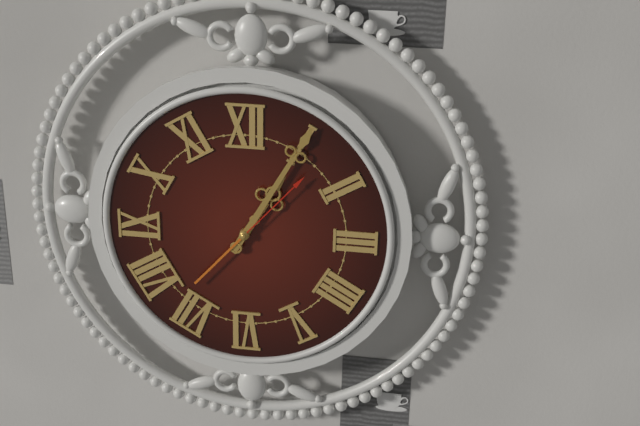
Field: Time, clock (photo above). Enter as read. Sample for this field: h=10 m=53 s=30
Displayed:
h=1 m=5 s=7
